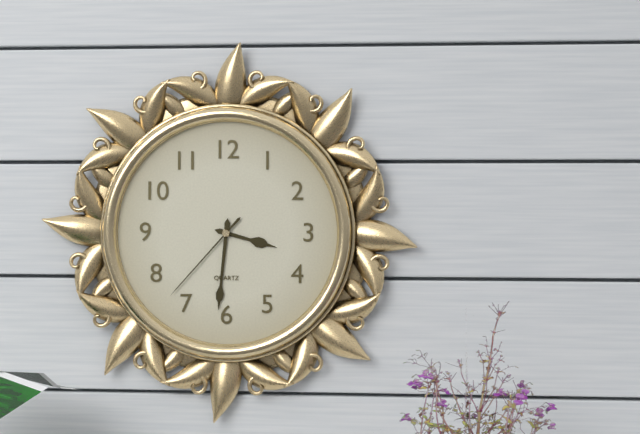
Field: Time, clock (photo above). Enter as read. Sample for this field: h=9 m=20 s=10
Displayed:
h=3 m=31 s=37
